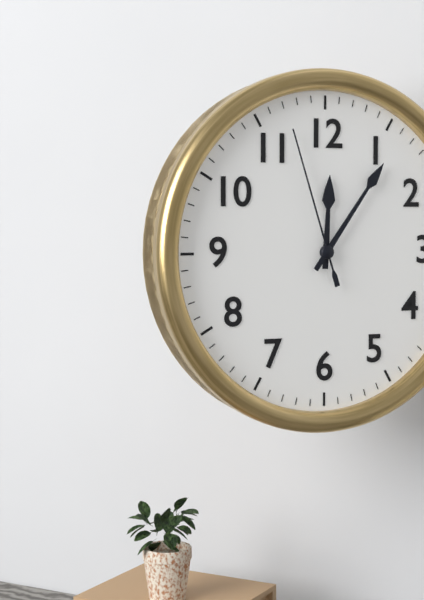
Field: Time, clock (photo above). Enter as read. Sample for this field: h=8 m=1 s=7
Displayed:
h=12 m=6 s=57
